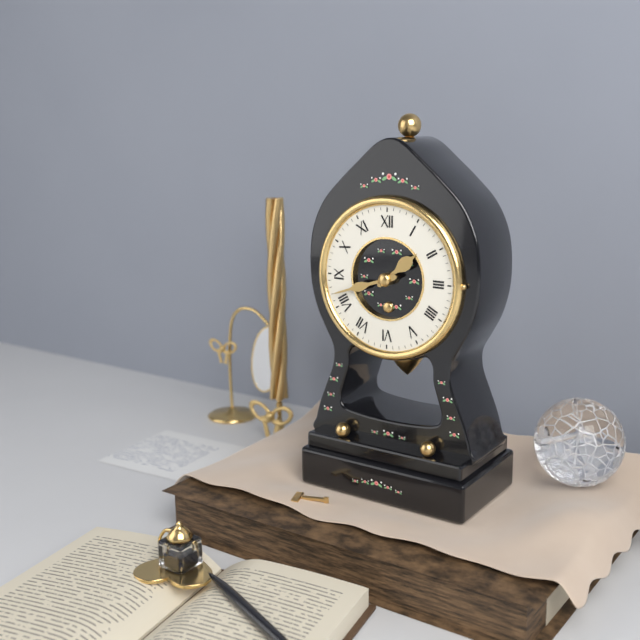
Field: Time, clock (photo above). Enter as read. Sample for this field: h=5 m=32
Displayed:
h=1 m=42
